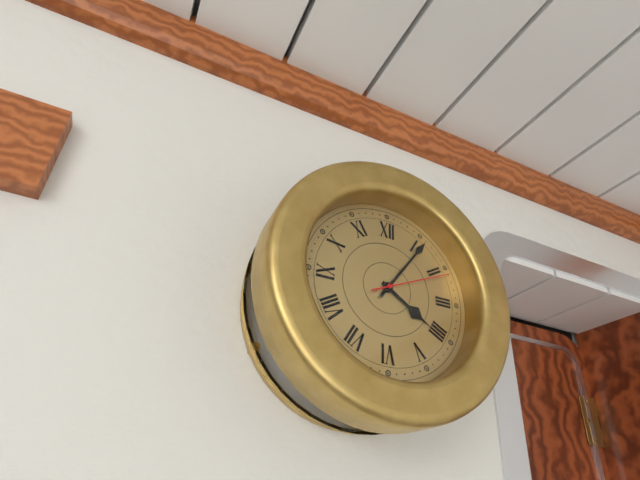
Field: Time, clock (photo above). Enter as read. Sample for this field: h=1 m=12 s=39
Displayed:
h=4 m=6 s=11
